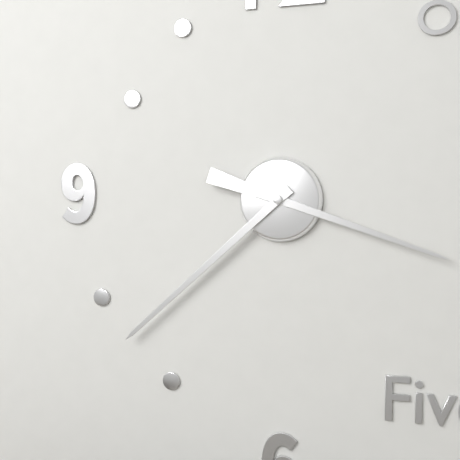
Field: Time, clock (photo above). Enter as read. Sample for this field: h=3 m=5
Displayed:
h=3 m=38
